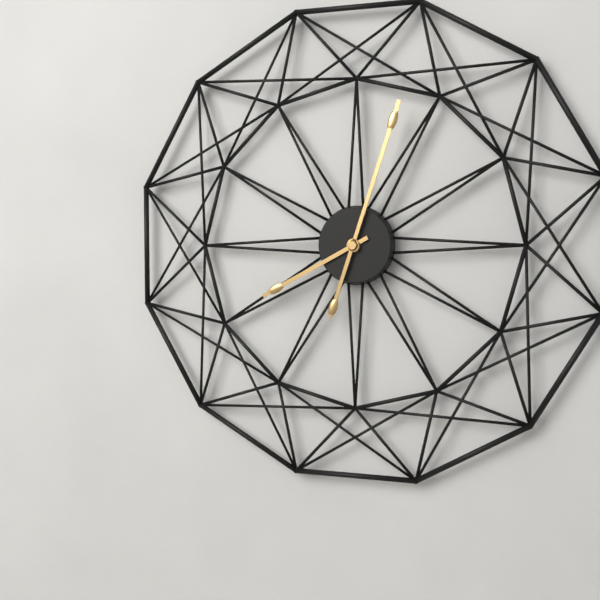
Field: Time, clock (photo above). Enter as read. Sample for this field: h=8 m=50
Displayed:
h=8 m=3
